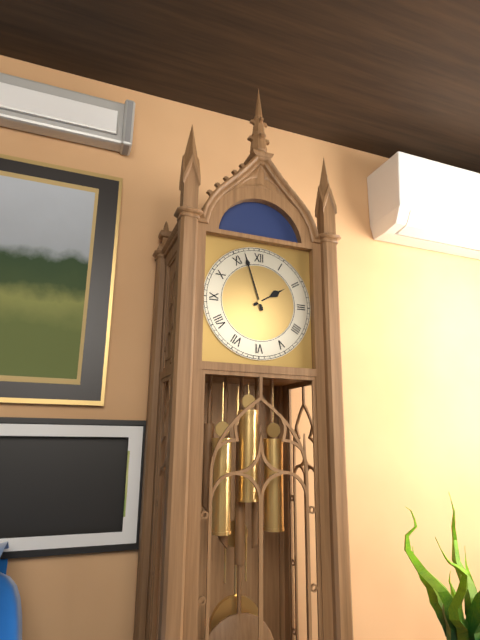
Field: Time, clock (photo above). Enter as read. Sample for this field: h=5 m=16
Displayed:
h=1 m=57
